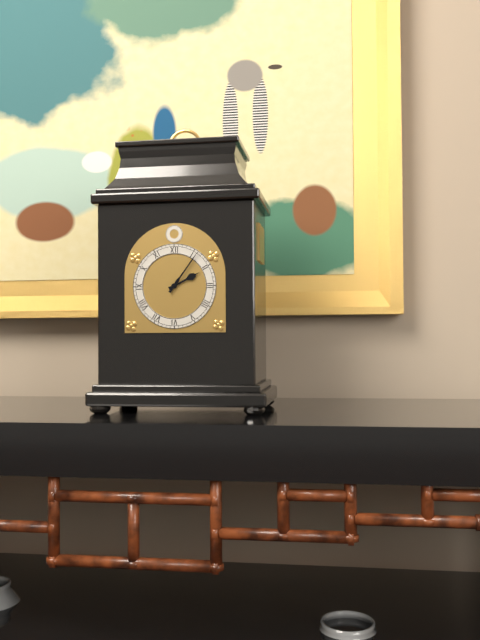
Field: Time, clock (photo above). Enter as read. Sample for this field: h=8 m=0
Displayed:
h=2 m=6
